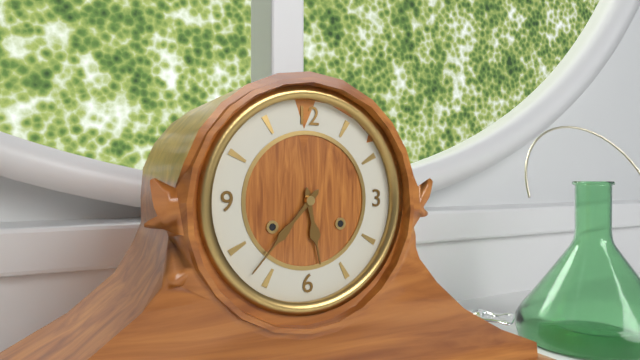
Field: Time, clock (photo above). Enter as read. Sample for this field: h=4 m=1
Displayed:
h=5 m=37
